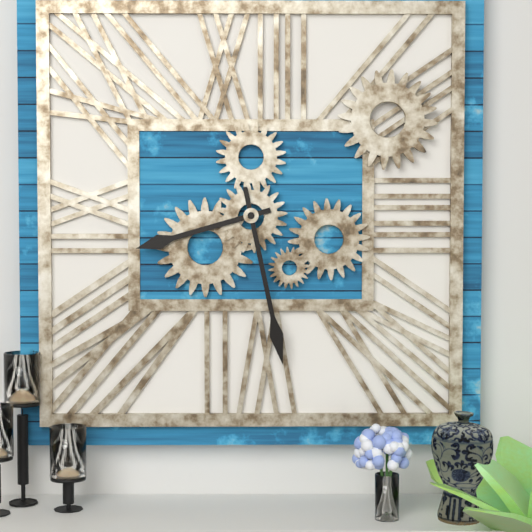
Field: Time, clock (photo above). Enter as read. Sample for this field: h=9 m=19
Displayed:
h=8 m=28
